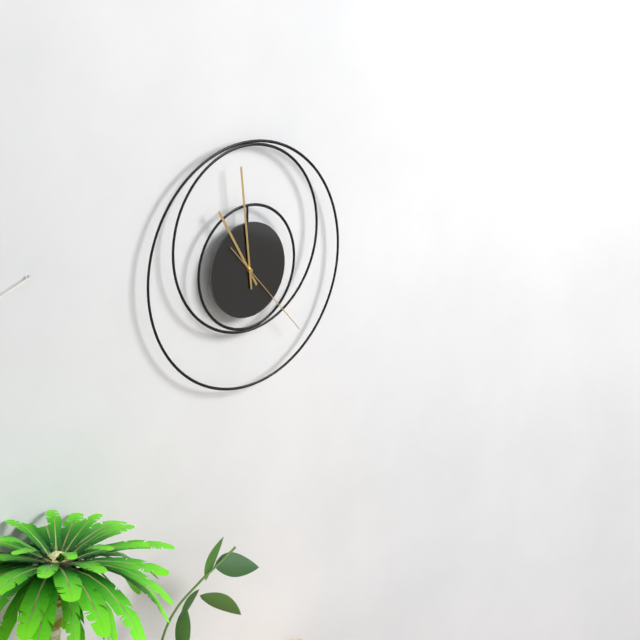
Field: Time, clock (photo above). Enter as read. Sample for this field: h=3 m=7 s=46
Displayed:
h=10 m=59 s=23
